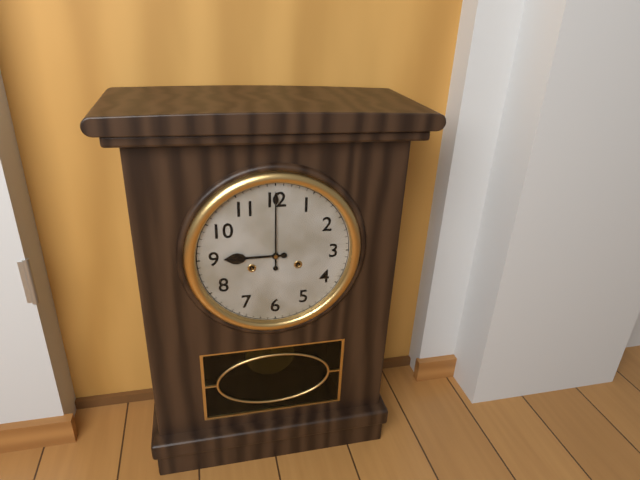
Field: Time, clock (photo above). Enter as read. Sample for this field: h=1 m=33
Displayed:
h=9 m=0
